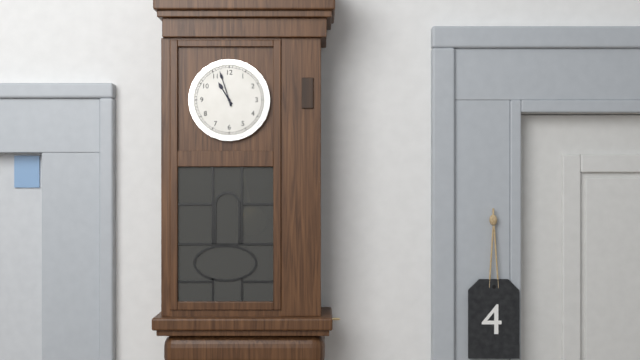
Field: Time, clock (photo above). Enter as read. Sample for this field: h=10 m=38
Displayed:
h=10 m=57
